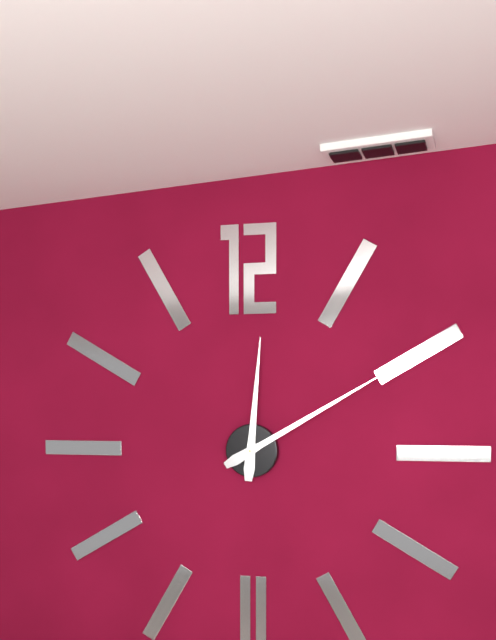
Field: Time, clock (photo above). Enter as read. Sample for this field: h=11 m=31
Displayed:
h=12 m=10
